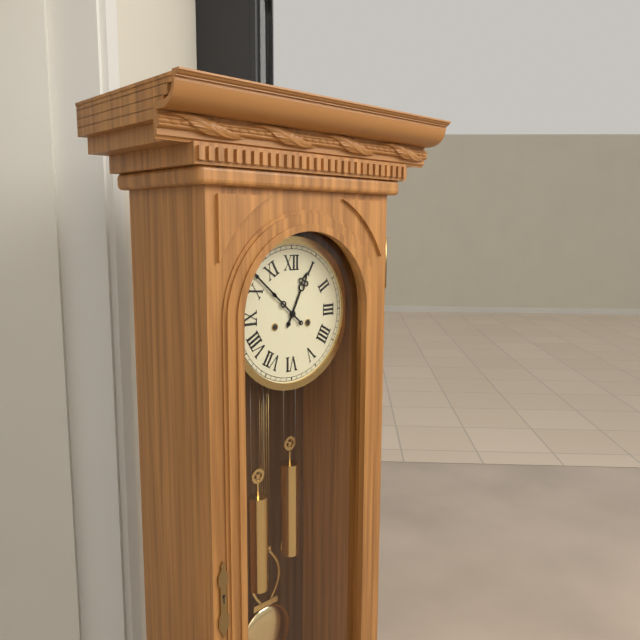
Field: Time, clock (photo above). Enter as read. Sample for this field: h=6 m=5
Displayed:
h=12 m=52
